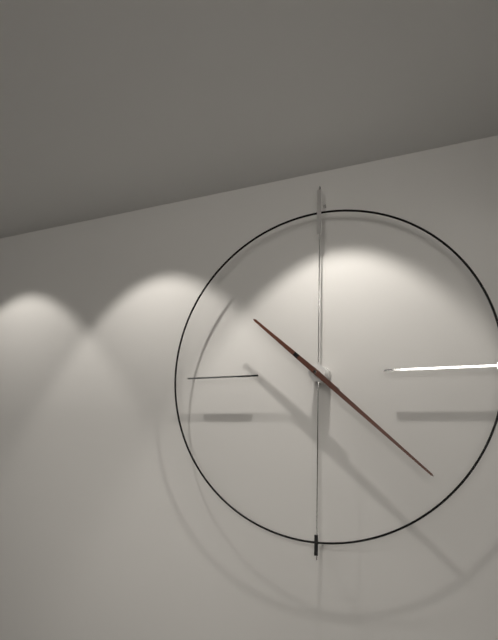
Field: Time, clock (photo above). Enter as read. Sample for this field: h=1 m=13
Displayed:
h=10 m=22
